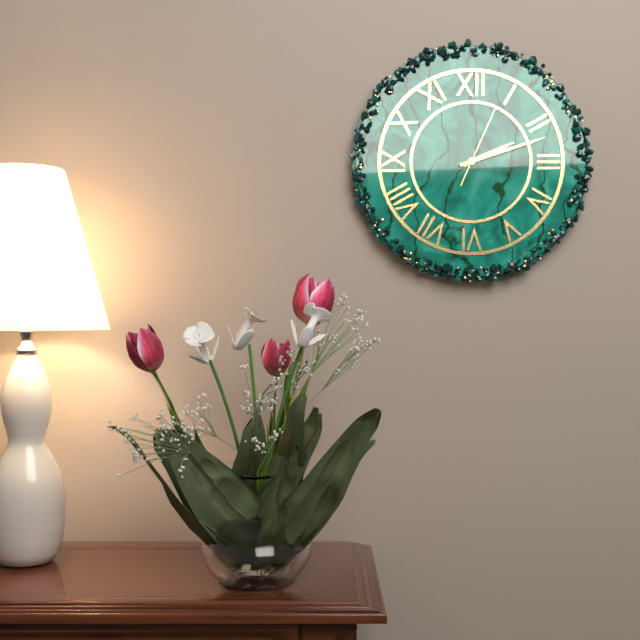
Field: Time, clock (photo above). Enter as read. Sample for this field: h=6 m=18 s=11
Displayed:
h=2 m=12 s=4
